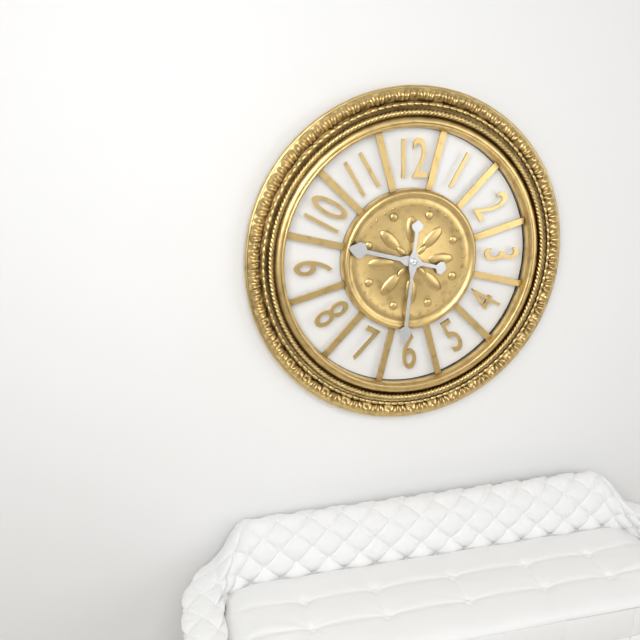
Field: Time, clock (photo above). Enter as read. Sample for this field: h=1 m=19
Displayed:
h=9 m=31
